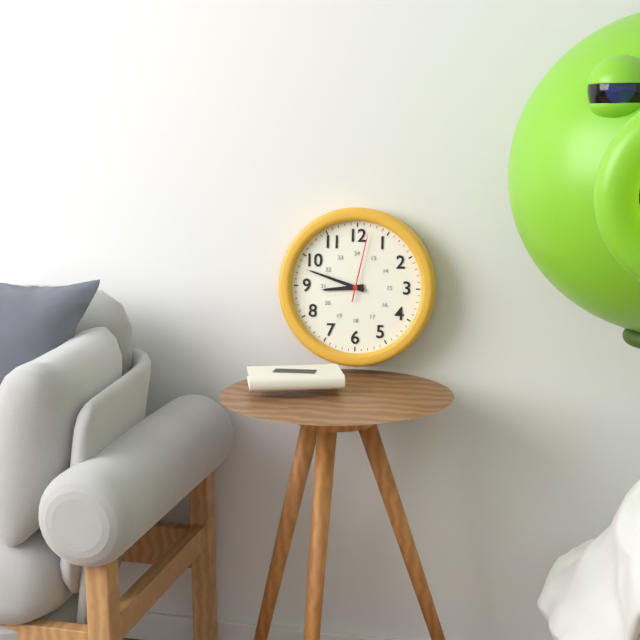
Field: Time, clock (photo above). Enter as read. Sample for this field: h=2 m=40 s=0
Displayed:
h=8 m=48 s=2
